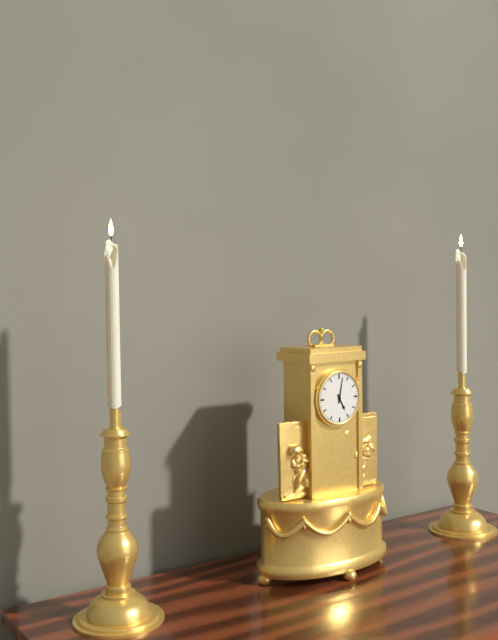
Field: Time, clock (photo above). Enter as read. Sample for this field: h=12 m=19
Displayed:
h=5 m=2
